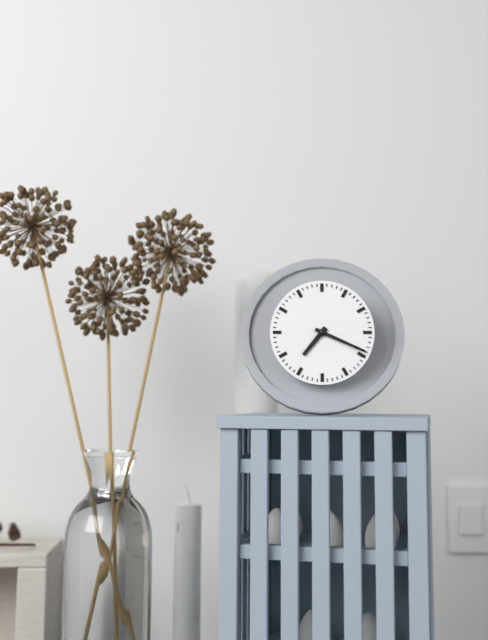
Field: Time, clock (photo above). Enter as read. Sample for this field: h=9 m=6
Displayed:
h=7 m=19
